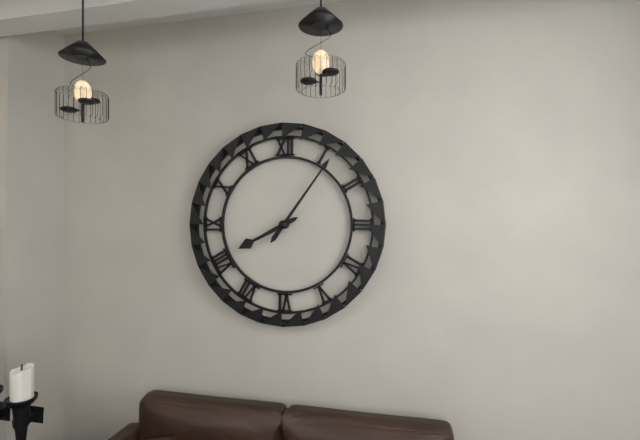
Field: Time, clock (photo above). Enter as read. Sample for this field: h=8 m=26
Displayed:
h=8 m=6
